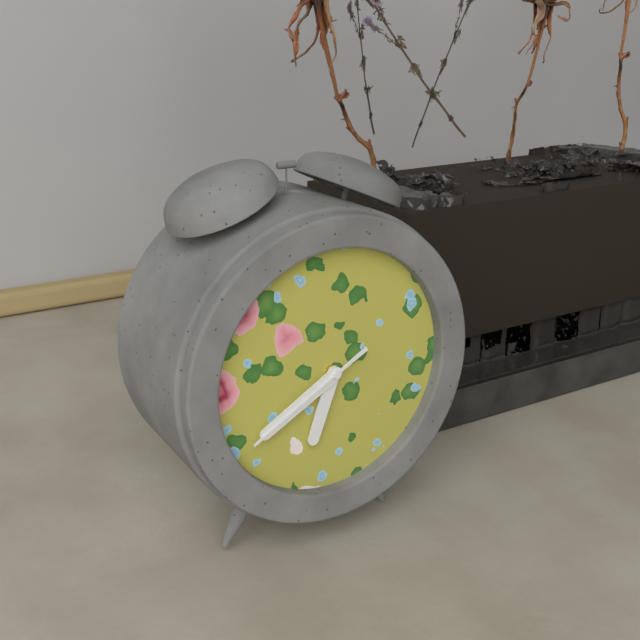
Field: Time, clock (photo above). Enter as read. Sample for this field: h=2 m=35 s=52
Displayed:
h=6 m=40 s=40
